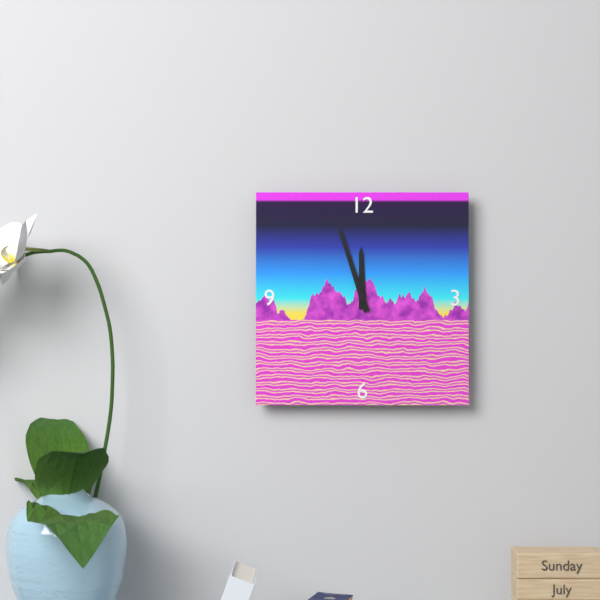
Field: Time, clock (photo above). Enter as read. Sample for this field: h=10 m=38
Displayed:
h=11 m=57
